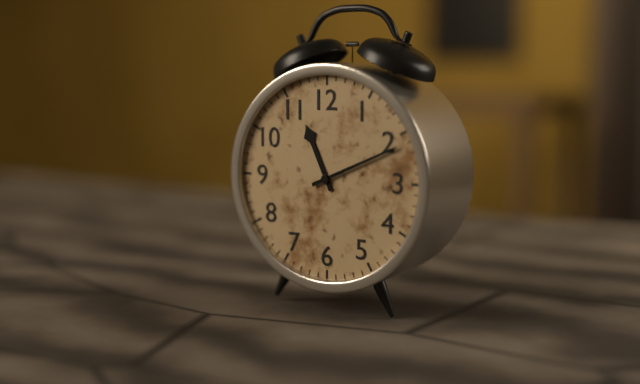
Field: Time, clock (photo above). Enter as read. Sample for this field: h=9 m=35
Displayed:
h=11 m=11
